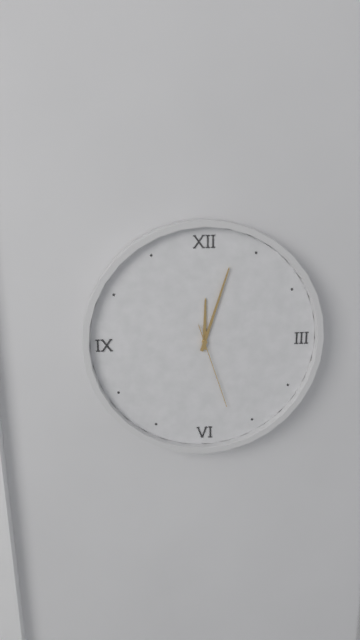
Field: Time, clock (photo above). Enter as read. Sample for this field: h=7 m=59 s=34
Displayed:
h=12 m=3 s=27
